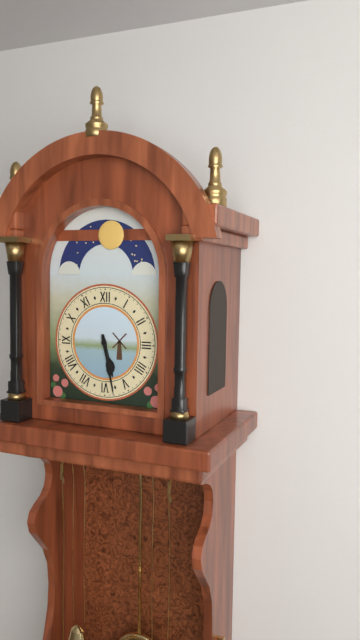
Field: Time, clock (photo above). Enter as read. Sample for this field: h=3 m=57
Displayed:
h=5 m=28
